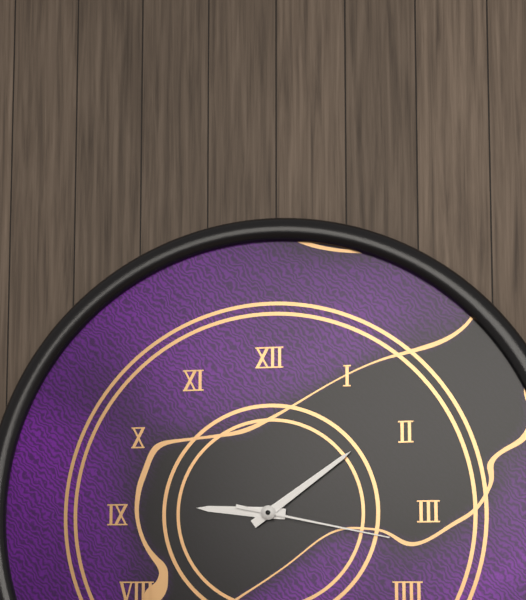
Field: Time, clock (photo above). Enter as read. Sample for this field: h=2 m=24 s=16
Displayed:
h=9 m=9 s=17
